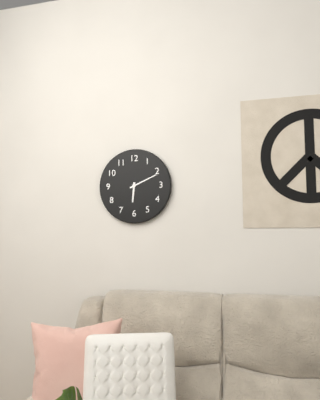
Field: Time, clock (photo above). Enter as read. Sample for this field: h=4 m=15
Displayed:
h=6 m=11
